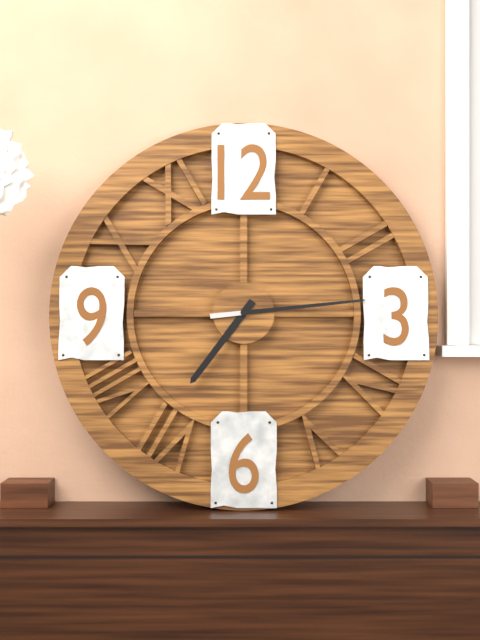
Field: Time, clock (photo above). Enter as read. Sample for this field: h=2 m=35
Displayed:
h=7 m=14
